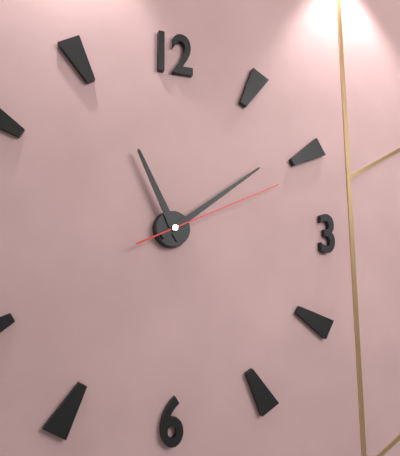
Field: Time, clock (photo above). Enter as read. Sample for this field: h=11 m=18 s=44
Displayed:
h=11 m=9 s=11
